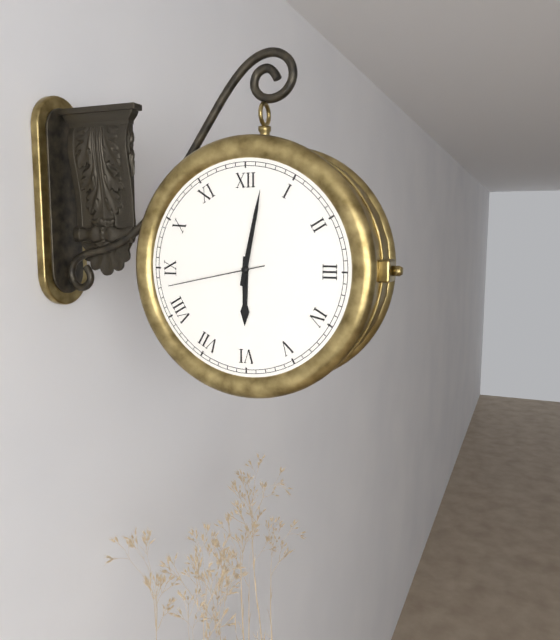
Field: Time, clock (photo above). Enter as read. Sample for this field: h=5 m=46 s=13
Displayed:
h=6 m=2 s=43
